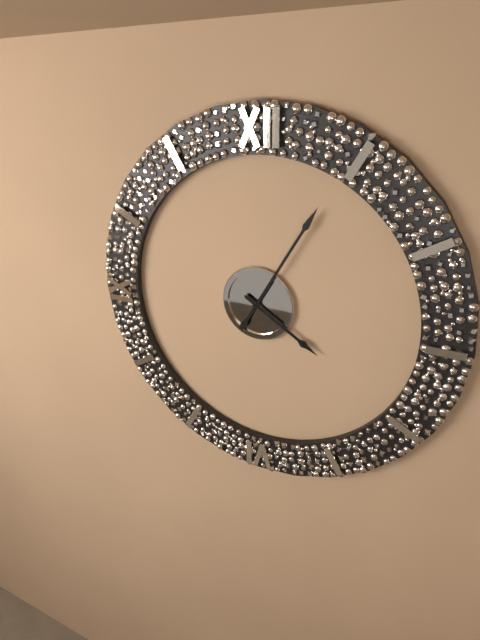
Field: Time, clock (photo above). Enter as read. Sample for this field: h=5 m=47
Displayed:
h=4 m=5
